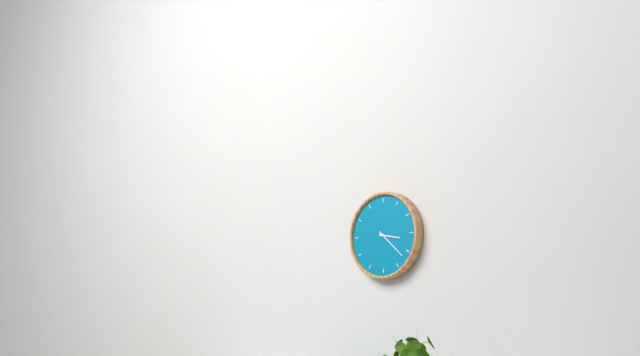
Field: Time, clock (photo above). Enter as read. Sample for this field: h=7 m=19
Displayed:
h=3 m=22
